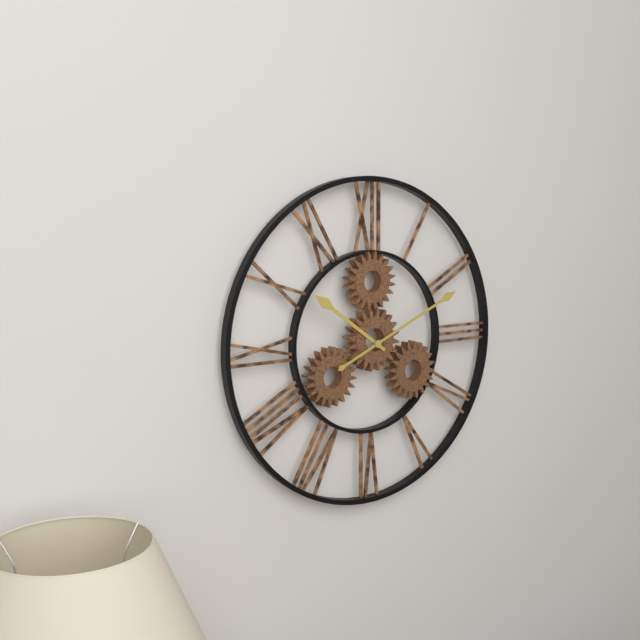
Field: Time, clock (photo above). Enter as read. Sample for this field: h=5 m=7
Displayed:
h=10 m=11
